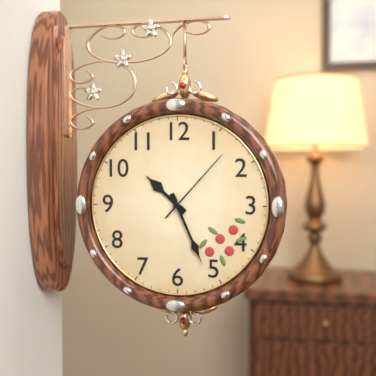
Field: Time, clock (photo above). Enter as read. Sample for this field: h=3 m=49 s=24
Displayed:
h=10 m=26 s=7
